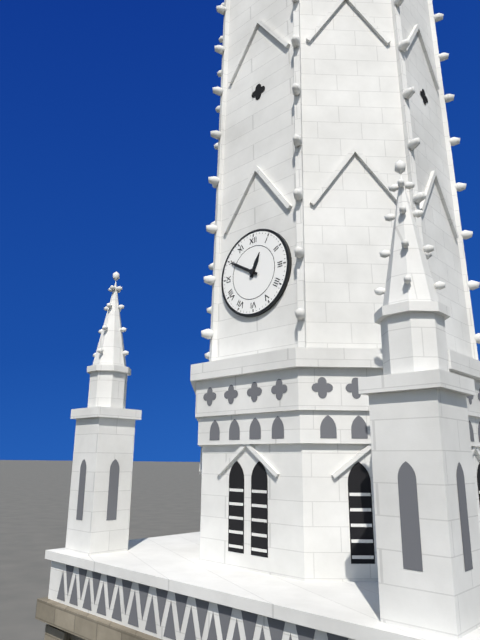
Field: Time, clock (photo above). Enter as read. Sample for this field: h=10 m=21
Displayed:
h=12 m=50
